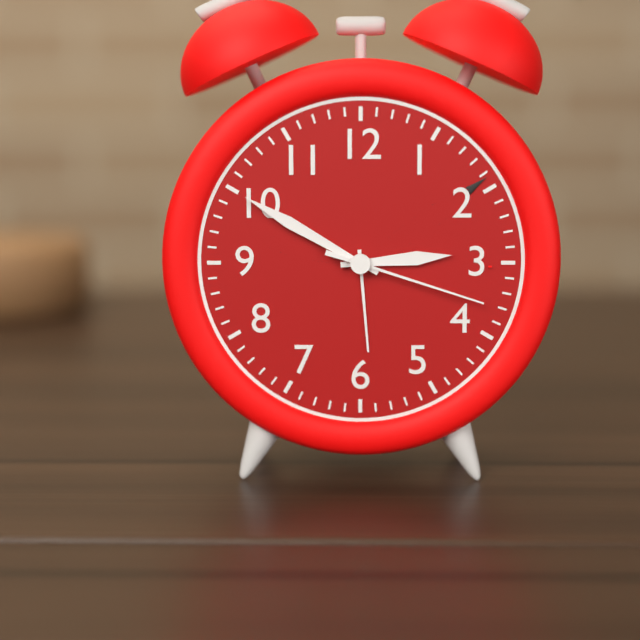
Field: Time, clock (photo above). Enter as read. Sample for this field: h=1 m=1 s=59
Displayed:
h=2 m=50 s=18
